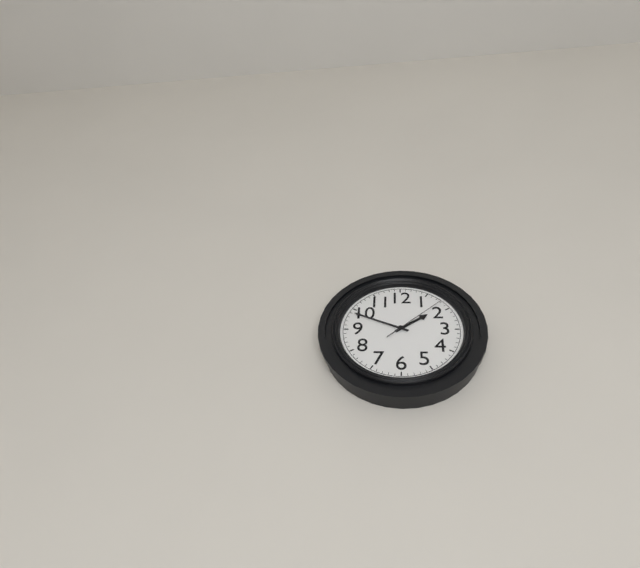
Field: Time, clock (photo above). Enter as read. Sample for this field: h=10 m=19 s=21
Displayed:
h=1 m=49 s=8
